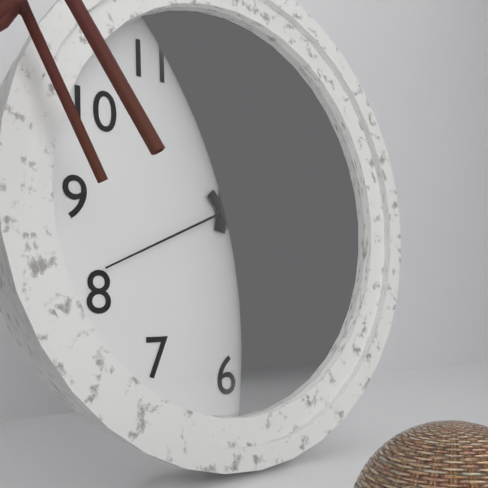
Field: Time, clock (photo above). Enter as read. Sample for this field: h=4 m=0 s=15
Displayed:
h=12 m=23 s=41
